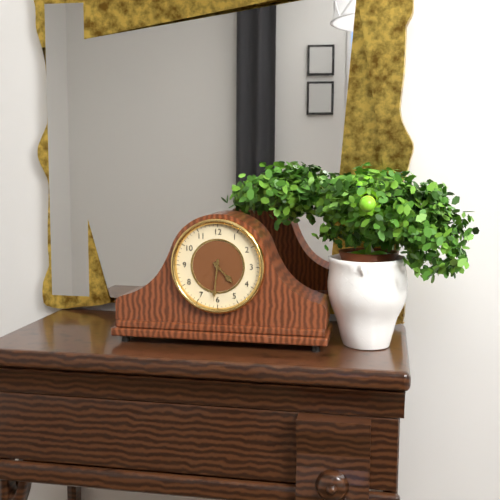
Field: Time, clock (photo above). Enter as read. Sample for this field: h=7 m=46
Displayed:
h=4 m=31
